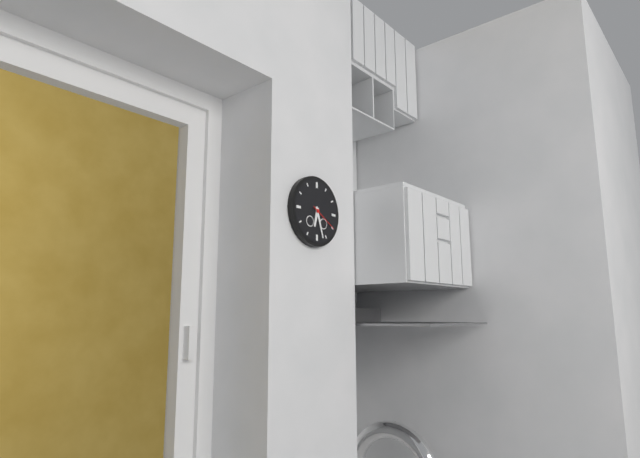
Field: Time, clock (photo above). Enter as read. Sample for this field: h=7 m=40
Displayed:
h=6 m=27
